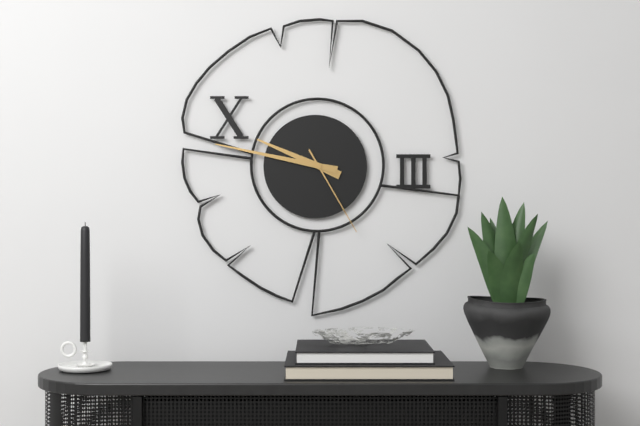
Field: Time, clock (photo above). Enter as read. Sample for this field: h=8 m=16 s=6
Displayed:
h=9 m=47 s=25
